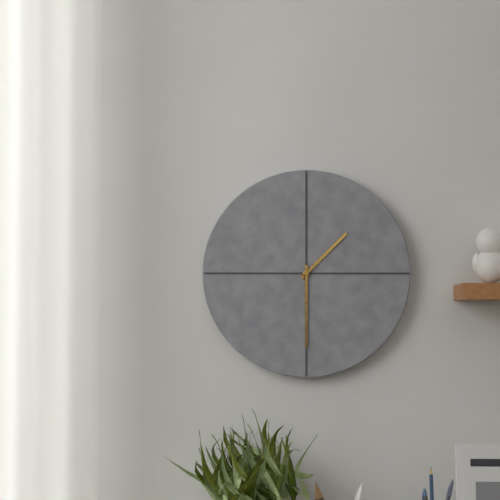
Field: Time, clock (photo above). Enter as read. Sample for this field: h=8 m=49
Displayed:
h=1 m=30
